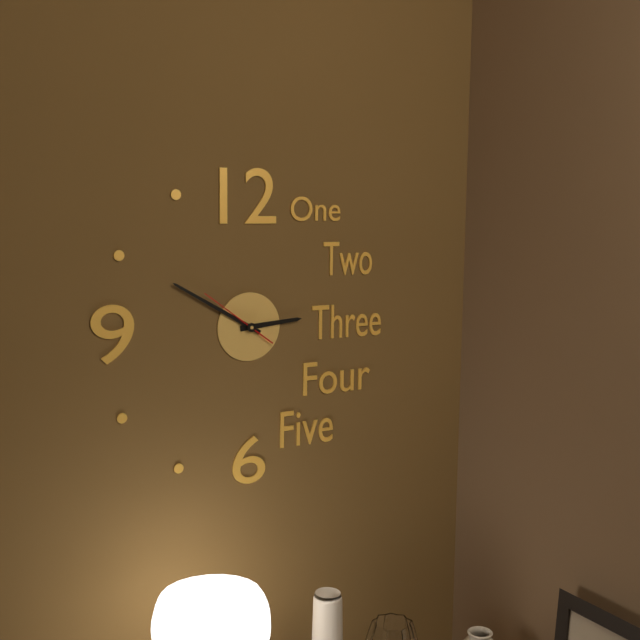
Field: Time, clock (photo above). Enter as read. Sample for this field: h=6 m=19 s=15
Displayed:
h=2 m=50 s=51
